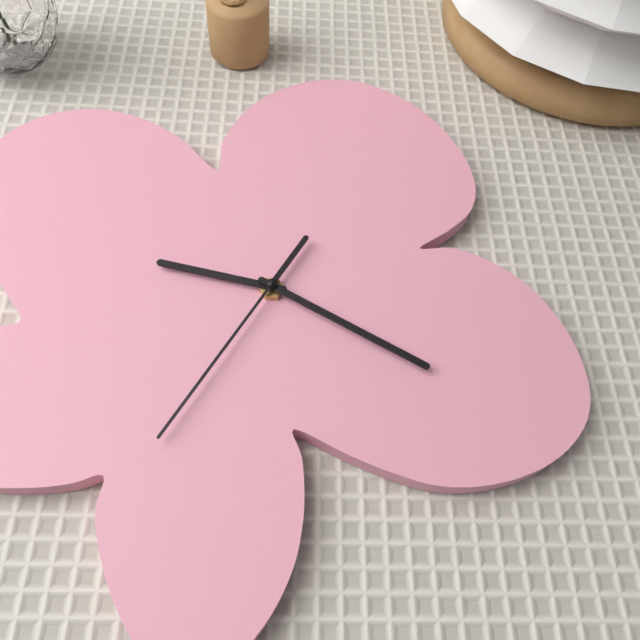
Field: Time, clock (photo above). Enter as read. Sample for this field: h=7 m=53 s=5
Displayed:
h=10 m=25 s=40
